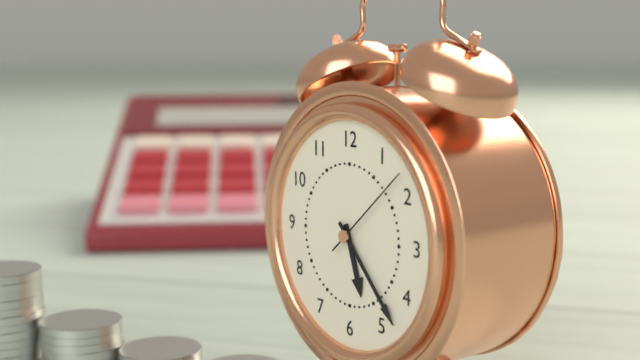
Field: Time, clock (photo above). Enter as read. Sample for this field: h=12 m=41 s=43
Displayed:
h=5 m=23 s=8
